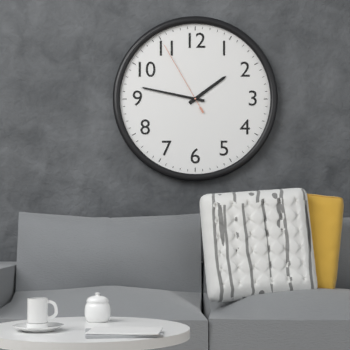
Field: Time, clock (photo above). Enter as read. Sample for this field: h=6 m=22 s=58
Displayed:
h=1 m=47 s=55
